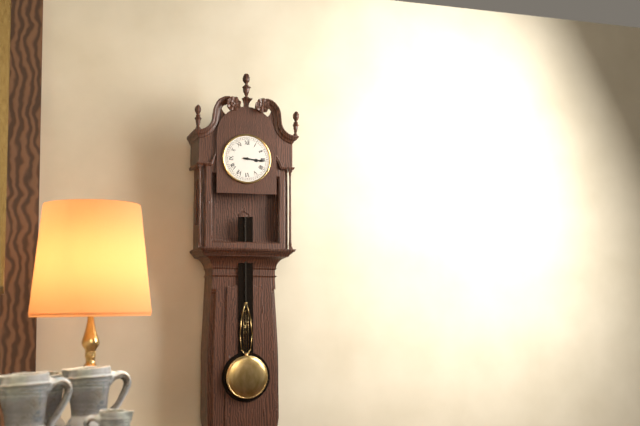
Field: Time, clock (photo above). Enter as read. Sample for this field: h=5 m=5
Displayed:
h=3 m=16
